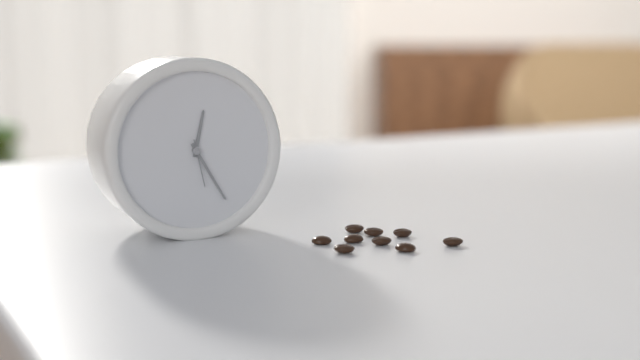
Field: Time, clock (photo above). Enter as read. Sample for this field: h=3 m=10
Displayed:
h=12 m=25
